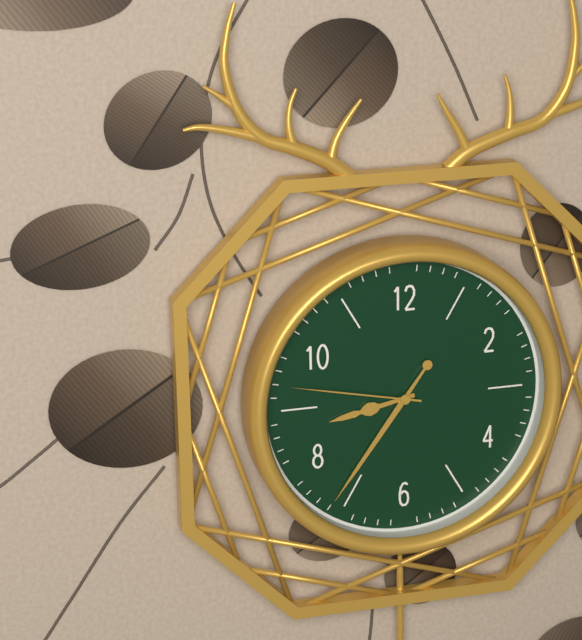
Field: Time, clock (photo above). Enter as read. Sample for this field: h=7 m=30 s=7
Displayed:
h=8 m=36 s=47
